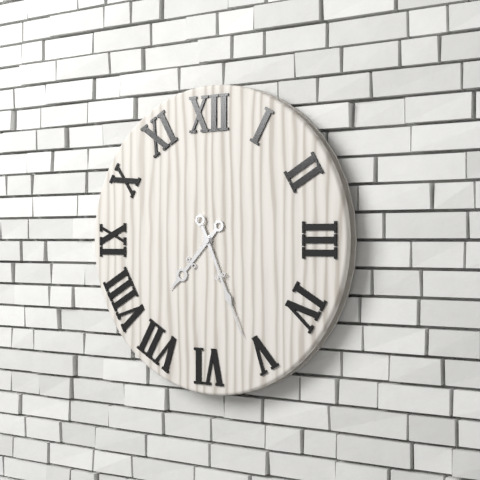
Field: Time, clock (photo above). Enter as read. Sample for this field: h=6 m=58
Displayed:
h=7 m=26
